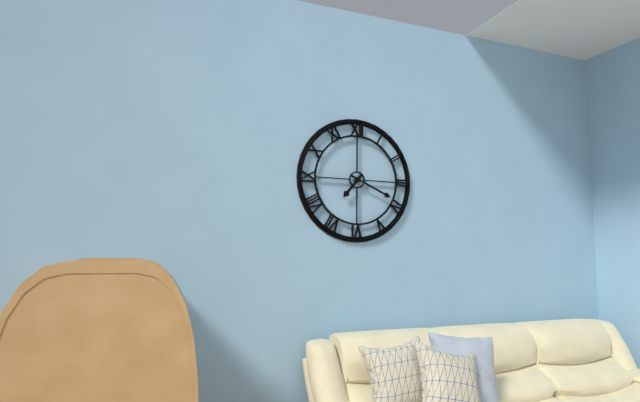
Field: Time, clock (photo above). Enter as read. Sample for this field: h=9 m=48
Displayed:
h=7 m=19
